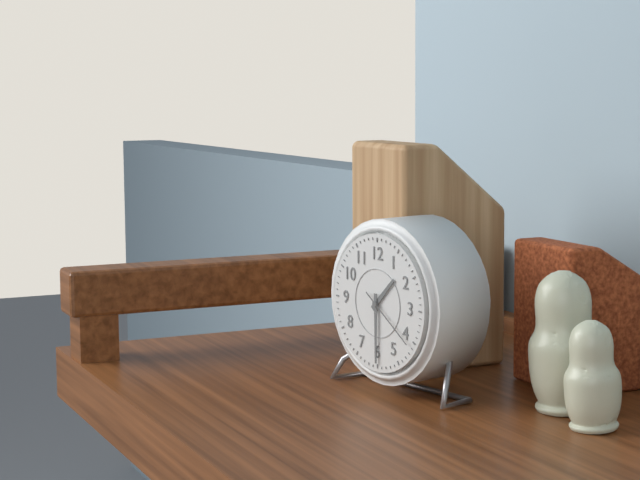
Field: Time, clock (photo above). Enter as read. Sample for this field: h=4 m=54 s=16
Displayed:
h=1 m=30 s=21
